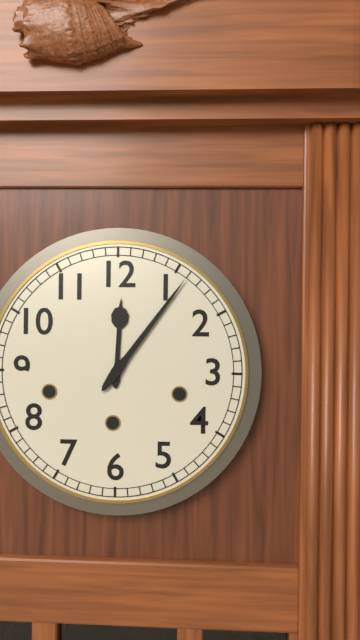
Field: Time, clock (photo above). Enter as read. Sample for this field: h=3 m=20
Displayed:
h=12 m=6
